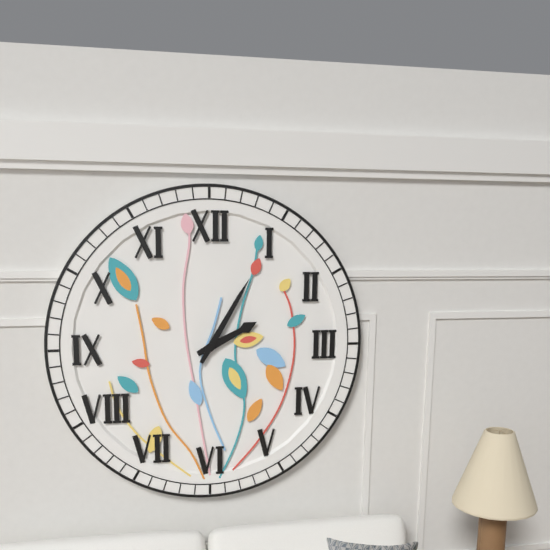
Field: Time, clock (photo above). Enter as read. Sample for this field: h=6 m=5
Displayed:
h=2 m=5
